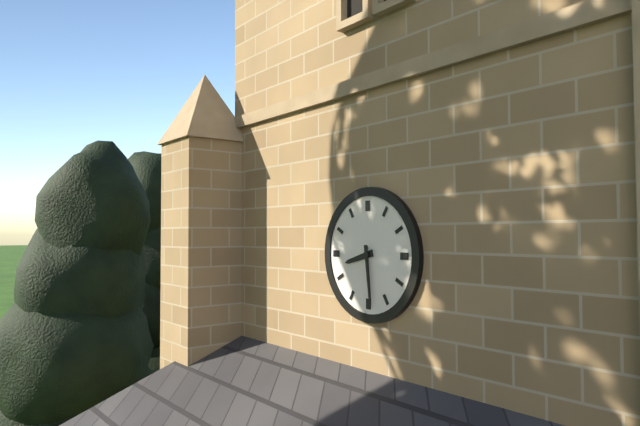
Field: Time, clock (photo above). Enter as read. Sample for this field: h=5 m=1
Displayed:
h=8 m=29
